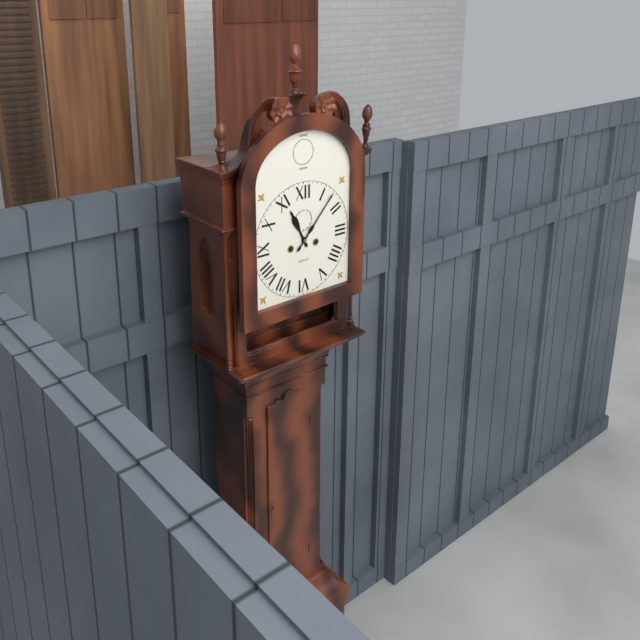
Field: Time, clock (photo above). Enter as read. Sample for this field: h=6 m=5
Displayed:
h=11 m=7
